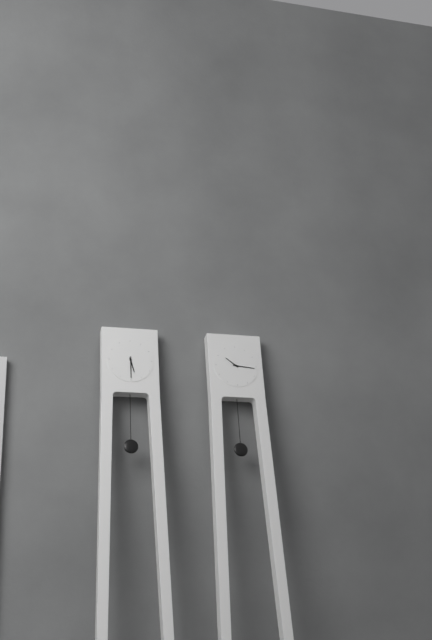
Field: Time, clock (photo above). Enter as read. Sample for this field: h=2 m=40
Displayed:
h=5 m=30
